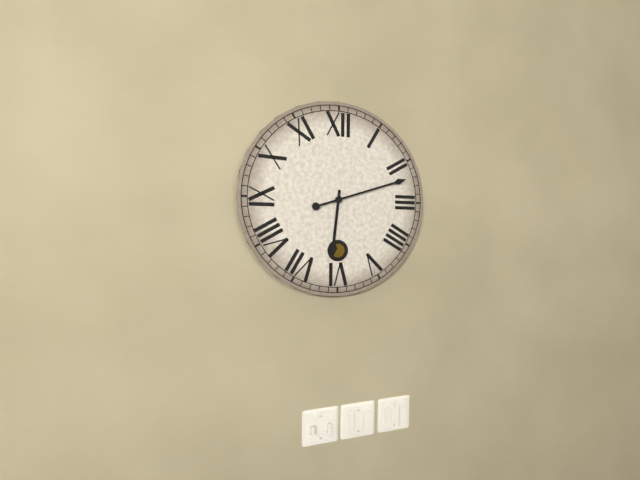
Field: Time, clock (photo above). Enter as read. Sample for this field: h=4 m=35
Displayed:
h=6 m=12
